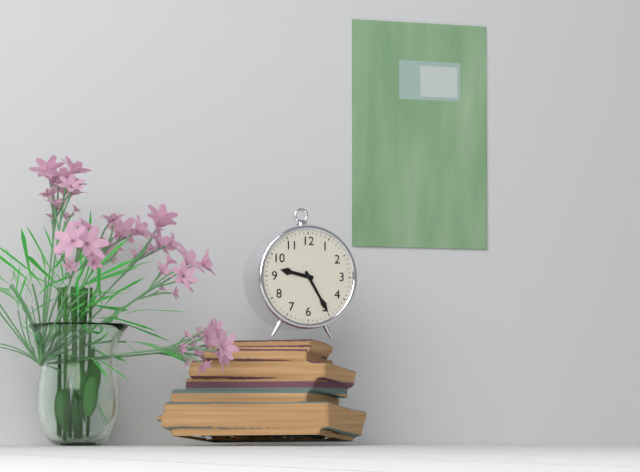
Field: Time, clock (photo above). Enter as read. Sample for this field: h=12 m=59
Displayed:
h=9 m=25
